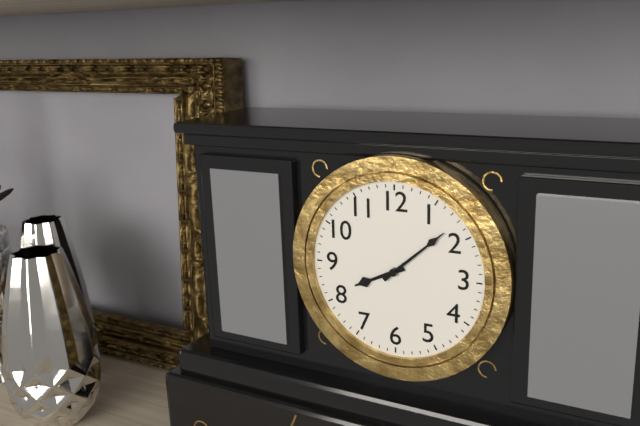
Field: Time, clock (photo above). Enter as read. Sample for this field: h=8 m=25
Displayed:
h=8 m=8
